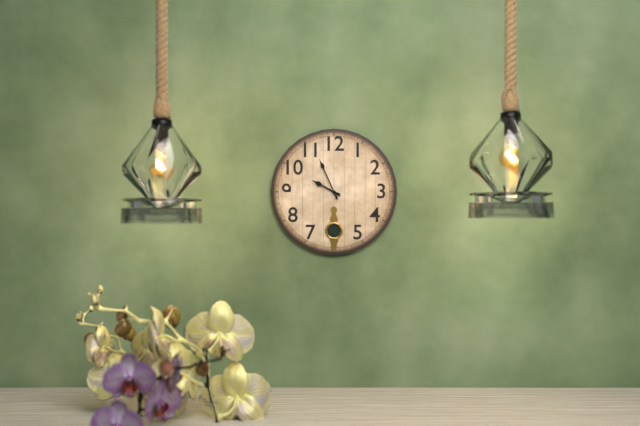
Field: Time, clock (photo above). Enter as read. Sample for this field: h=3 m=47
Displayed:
h=9 m=56
